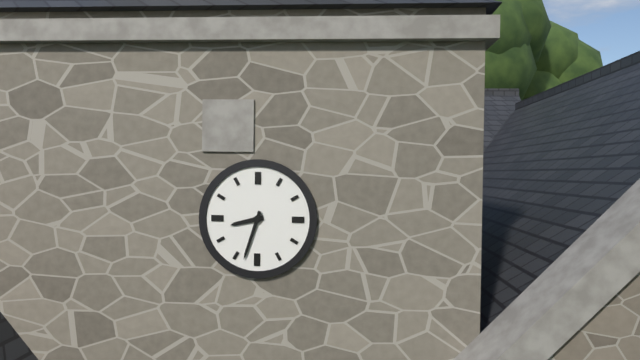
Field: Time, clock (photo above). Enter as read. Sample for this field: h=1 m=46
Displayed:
h=8 m=33
